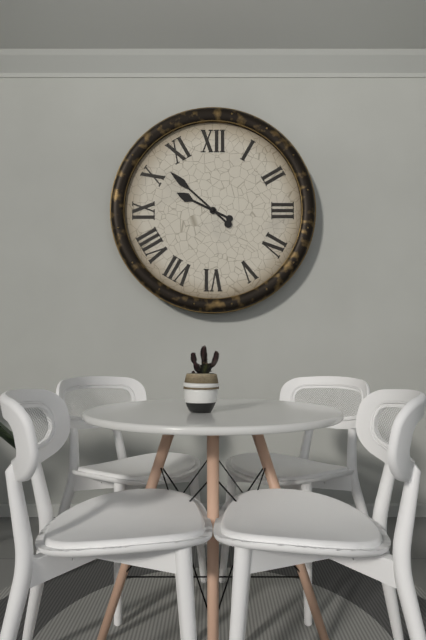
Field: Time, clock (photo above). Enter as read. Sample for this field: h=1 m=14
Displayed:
h=9 m=52
